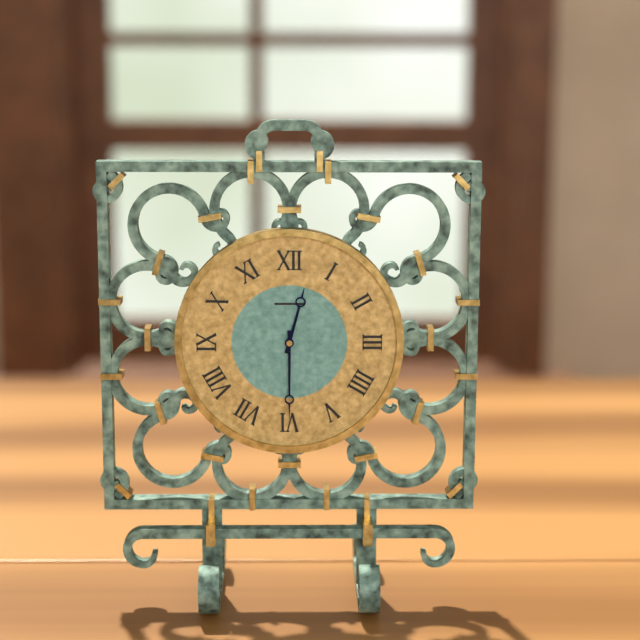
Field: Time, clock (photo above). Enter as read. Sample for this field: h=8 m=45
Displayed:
h=12 m=30
